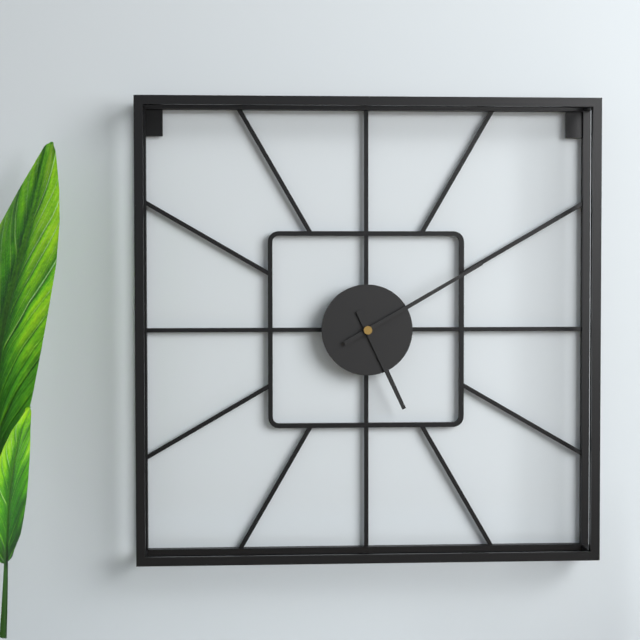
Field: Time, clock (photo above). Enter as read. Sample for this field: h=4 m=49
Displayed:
h=5 m=10
